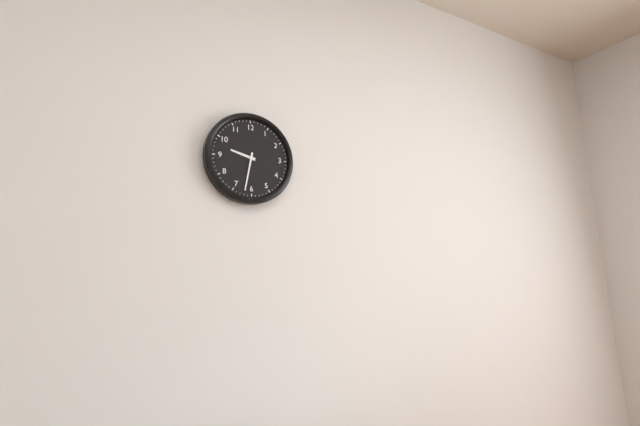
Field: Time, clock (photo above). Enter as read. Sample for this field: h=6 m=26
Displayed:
h=9 m=32
